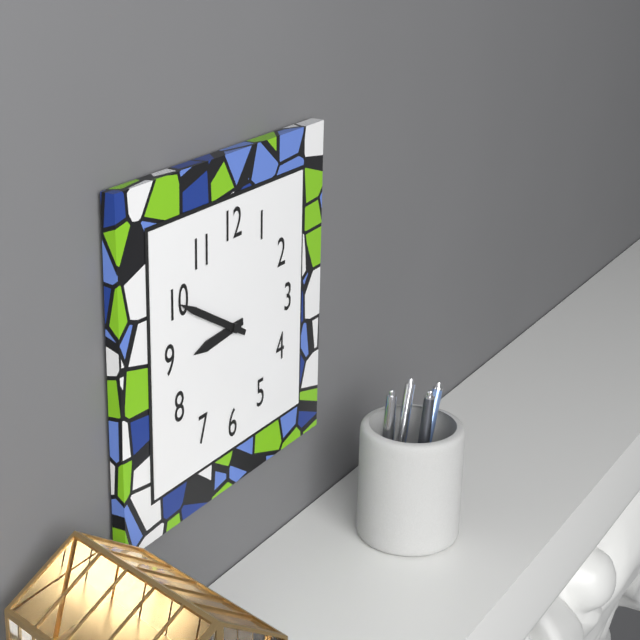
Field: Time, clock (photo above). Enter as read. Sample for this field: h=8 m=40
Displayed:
h=8 m=50
